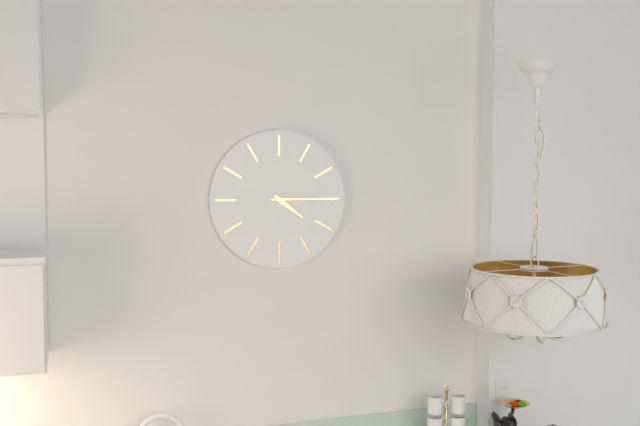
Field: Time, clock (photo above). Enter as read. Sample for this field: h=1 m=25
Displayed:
h=4 m=15
